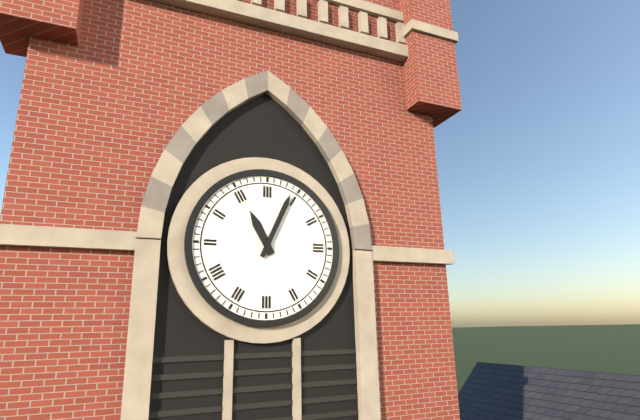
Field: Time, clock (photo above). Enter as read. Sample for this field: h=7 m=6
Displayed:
h=11 m=4
